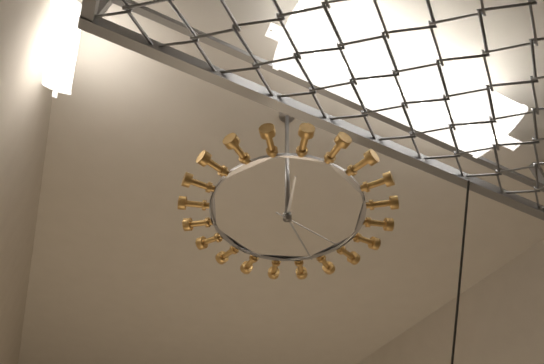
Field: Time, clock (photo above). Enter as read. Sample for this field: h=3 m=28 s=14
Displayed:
h=11 m=22 s=17
